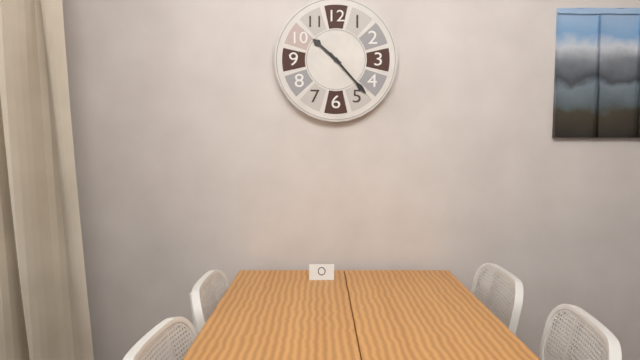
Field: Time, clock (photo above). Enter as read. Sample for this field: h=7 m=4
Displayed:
h=10 m=23
